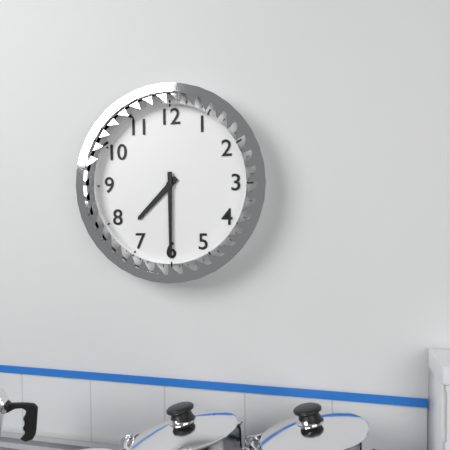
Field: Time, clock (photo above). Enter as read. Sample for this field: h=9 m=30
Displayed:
h=7 m=30
